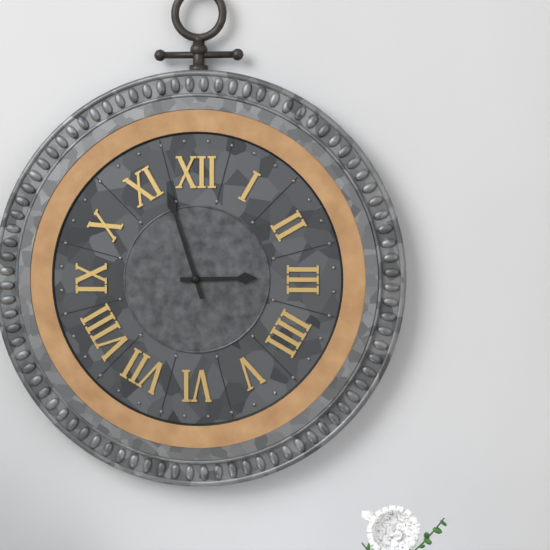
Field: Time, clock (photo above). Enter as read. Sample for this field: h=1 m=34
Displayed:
h=2 m=57
